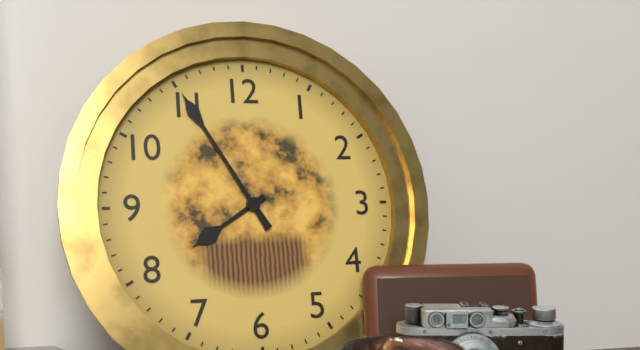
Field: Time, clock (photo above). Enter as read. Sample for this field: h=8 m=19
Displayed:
h=7 m=55
